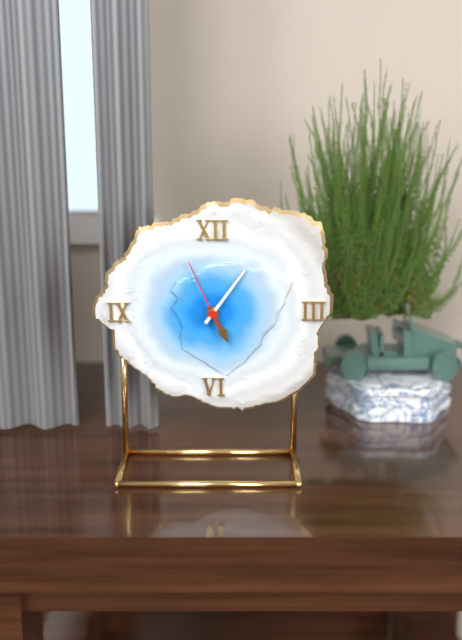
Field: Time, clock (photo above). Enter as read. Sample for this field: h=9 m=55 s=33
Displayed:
h=5 m=6 s=56
